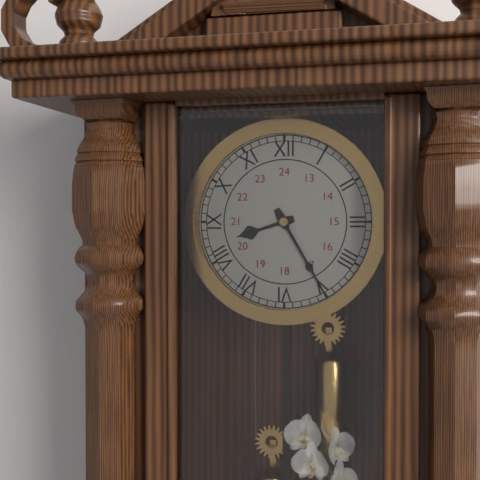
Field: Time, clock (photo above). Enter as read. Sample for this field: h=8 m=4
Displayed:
h=8 m=25
